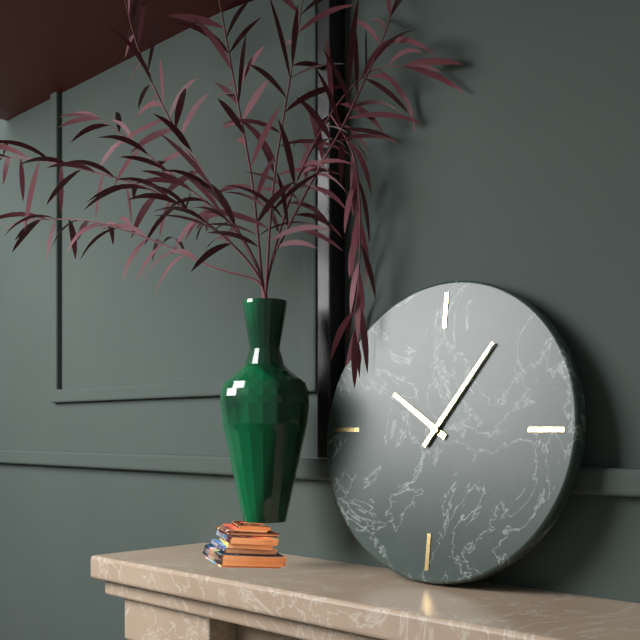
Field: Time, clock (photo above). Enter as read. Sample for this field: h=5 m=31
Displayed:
h=10 m=6
